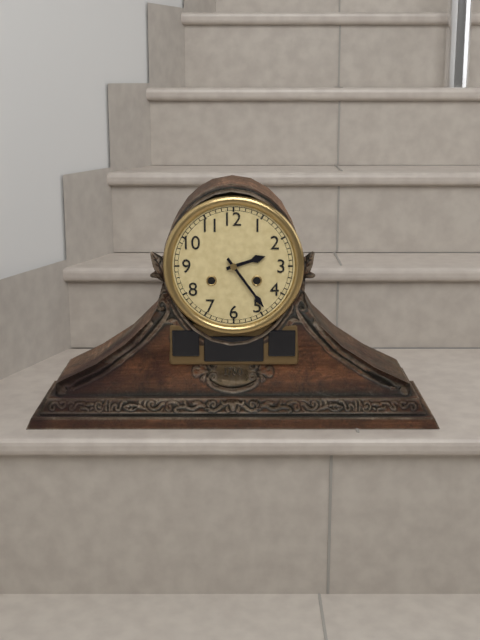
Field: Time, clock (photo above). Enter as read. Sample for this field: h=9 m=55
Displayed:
h=2 m=24
